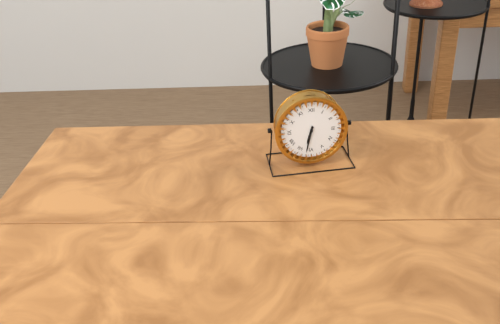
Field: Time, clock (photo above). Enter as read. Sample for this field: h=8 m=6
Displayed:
h=6 m=32
